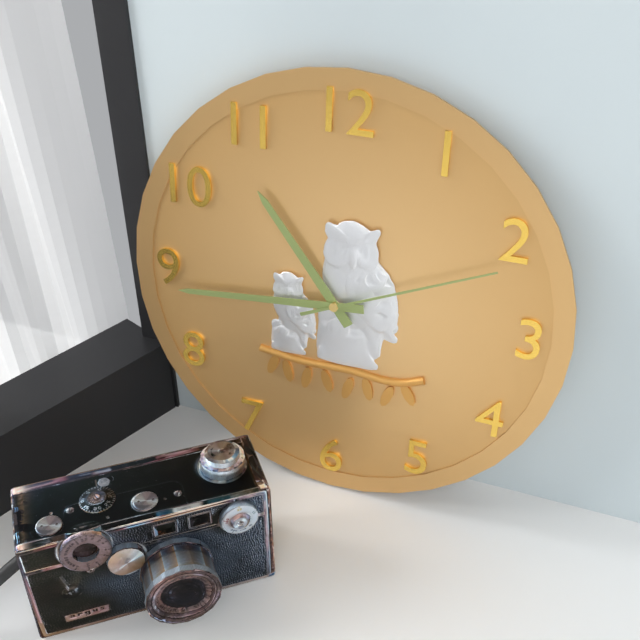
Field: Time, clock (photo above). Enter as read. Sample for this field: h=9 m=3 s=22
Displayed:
h=10 m=44 s=11
